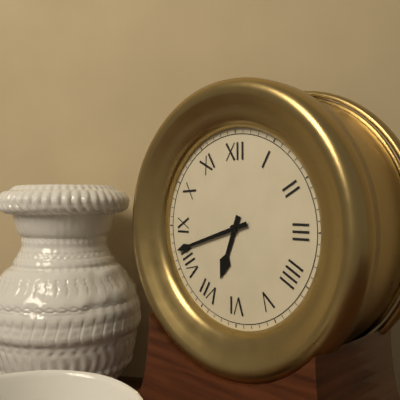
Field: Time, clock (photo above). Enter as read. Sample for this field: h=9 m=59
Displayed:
h=6 m=42
